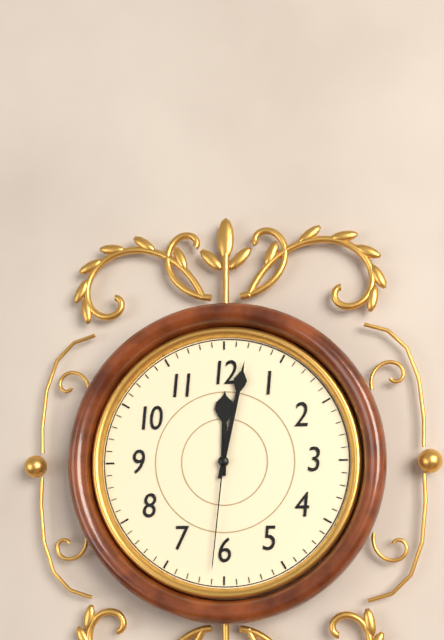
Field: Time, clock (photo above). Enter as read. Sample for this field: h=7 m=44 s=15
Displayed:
h=12 m=2 s=31
